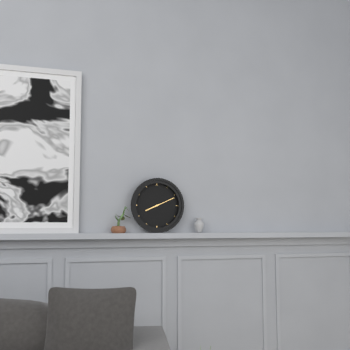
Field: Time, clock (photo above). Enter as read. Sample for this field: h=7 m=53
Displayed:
h=8 m=11
